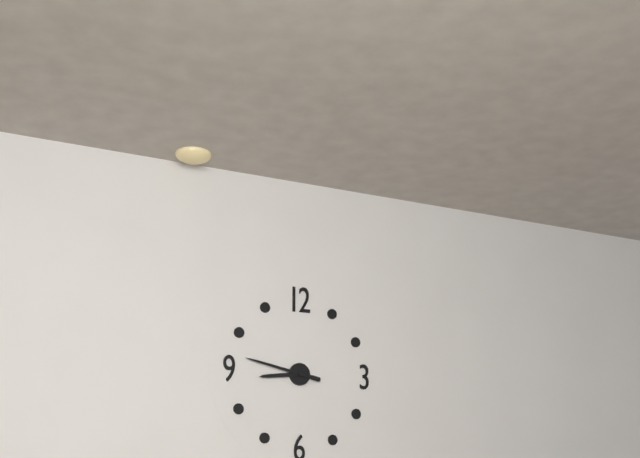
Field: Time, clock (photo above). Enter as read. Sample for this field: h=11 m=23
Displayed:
h=8 m=47
